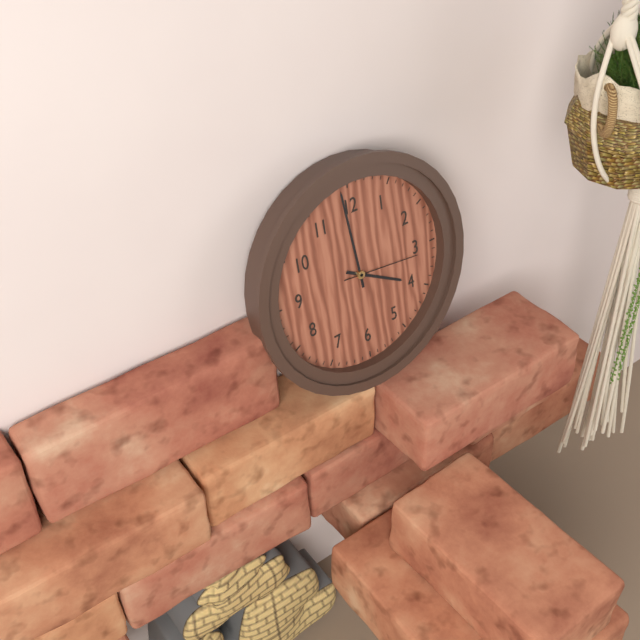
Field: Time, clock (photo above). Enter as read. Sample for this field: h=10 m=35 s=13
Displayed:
h=3 m=59 s=16
